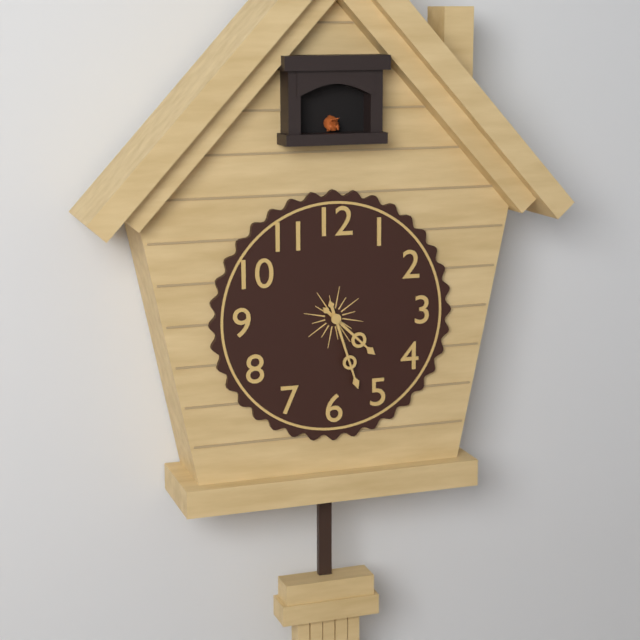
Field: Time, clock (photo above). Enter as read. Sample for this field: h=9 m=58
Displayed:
h=4 m=27
